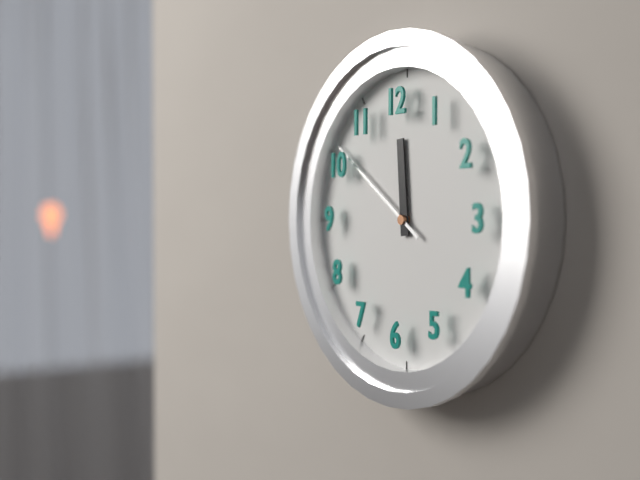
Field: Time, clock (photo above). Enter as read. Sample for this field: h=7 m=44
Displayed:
h=11 m=51
